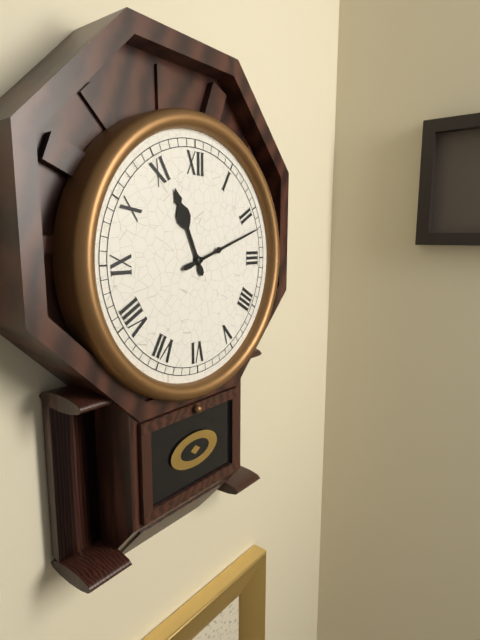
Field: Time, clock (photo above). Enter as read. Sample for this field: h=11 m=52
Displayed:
h=11 m=12
